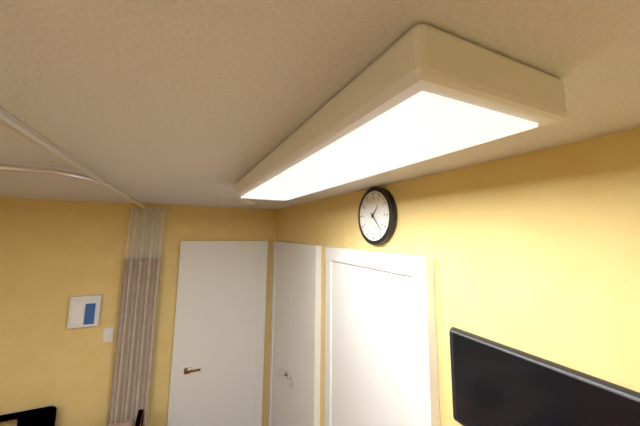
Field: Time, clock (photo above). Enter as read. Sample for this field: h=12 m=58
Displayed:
h=1 m=23
